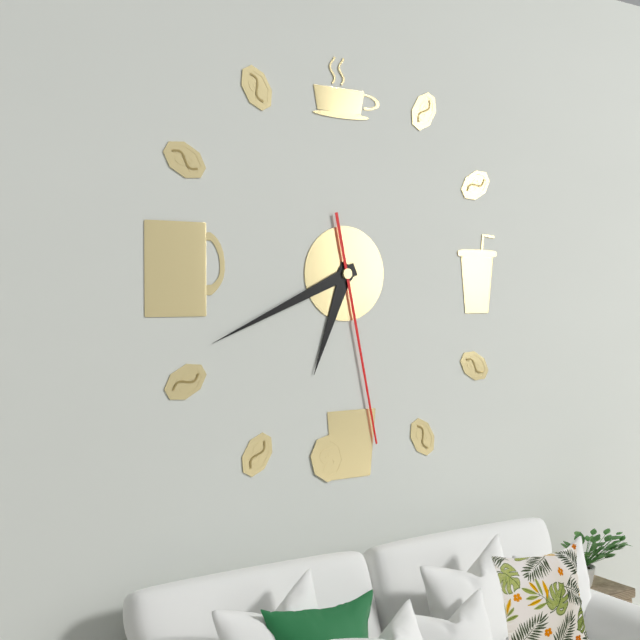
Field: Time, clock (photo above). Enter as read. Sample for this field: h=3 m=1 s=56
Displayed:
h=6 m=41 s=28
